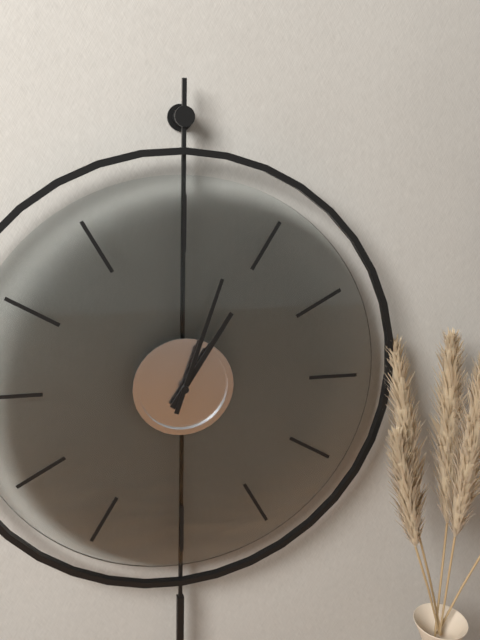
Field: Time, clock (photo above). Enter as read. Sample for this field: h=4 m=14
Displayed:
h=1 m=3
